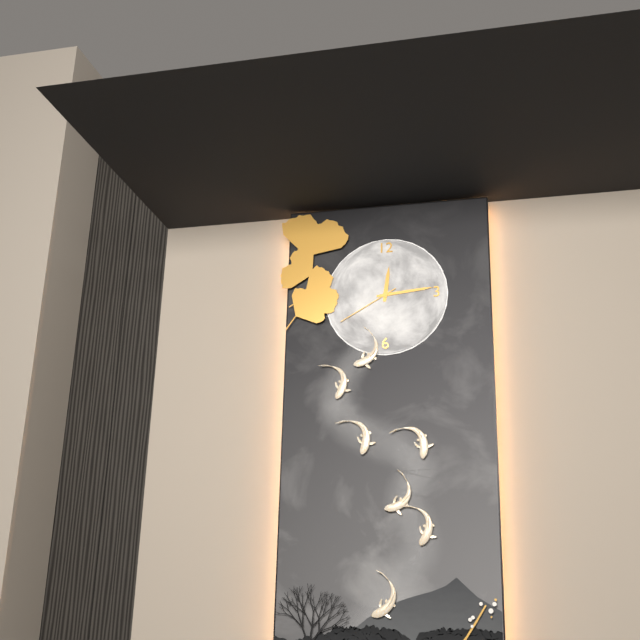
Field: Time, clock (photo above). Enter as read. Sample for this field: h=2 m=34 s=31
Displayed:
h=12 m=14 s=40
